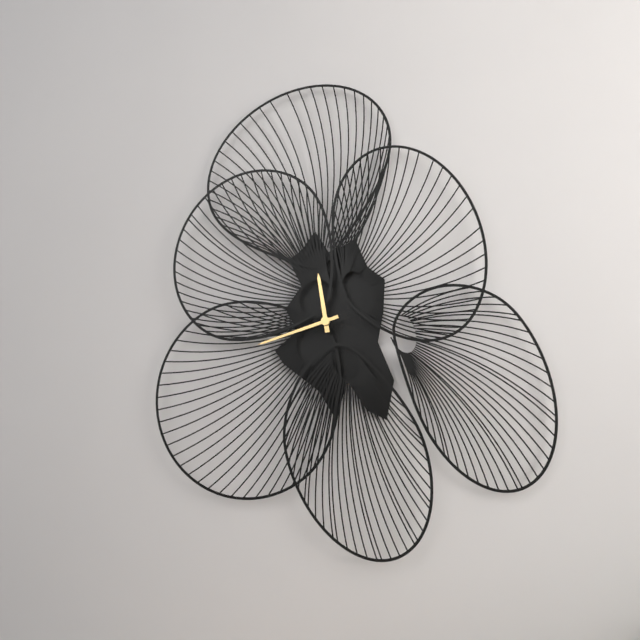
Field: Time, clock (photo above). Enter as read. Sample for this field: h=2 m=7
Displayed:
h=11 m=42
